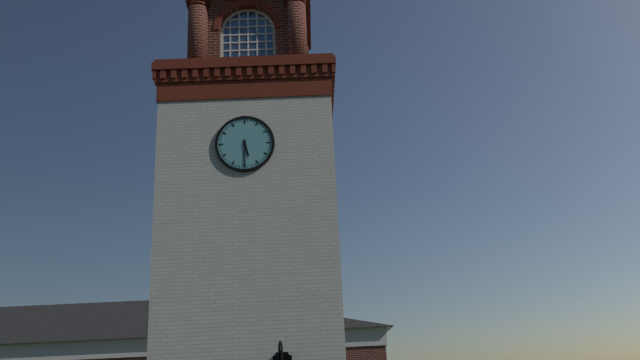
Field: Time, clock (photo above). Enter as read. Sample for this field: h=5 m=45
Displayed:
h=5 m=30
